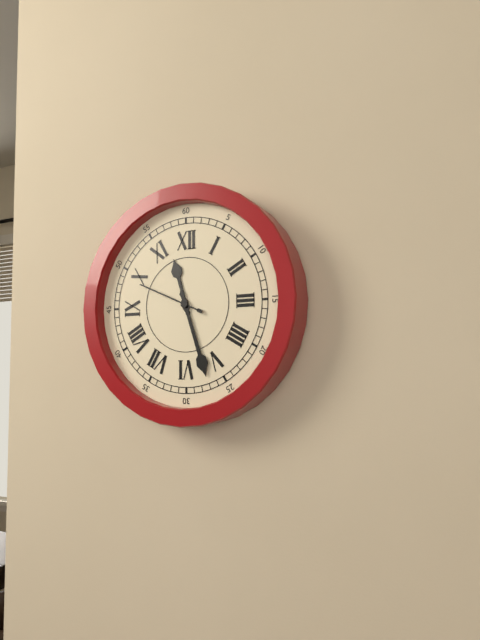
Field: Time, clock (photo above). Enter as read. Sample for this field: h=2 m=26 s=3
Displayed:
h=11 m=27 s=49
